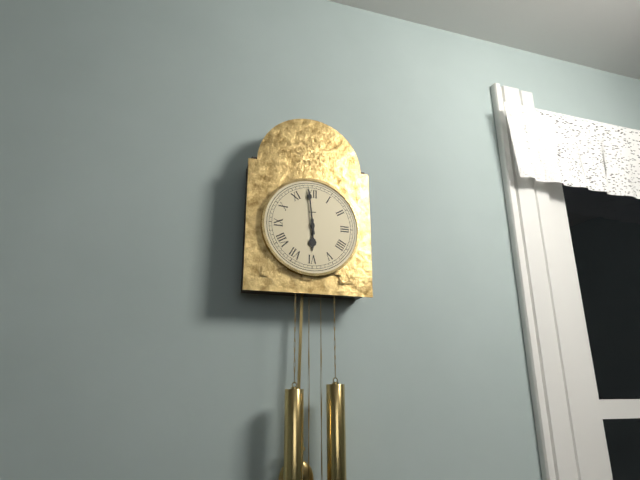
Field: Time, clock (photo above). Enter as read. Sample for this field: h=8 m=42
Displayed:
h=5 m=59
